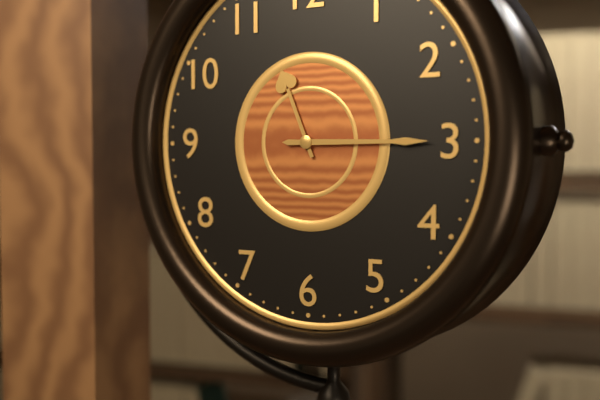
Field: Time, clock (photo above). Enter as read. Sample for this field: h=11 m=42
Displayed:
h=11 m=15
